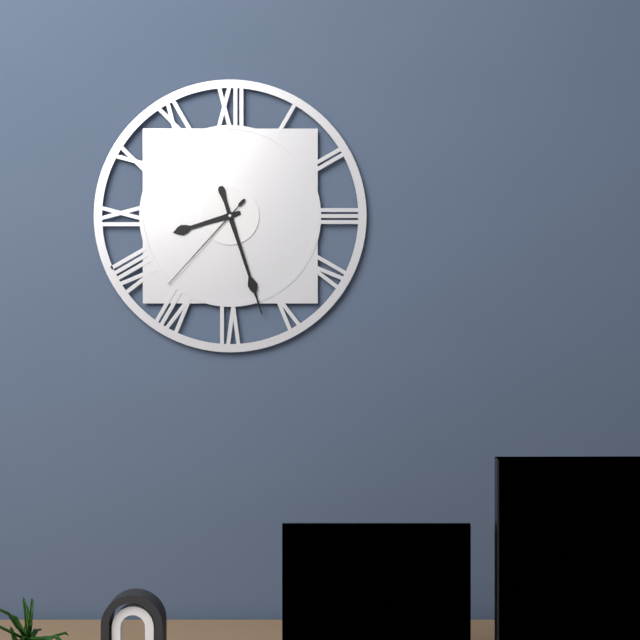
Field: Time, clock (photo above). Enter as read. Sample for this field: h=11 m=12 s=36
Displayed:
h=8 m=27 s=37
